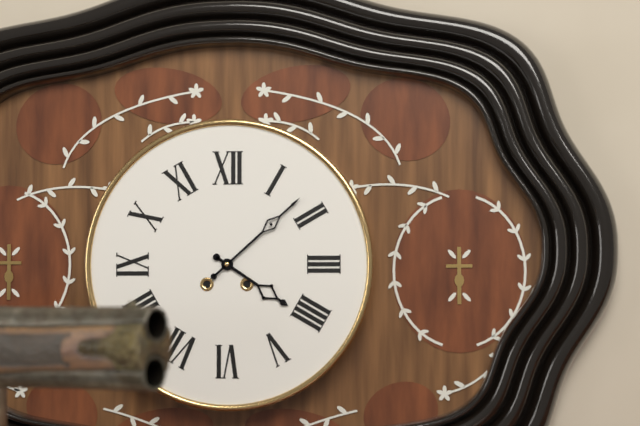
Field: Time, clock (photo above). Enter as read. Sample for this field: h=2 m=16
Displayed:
h=4 m=8
